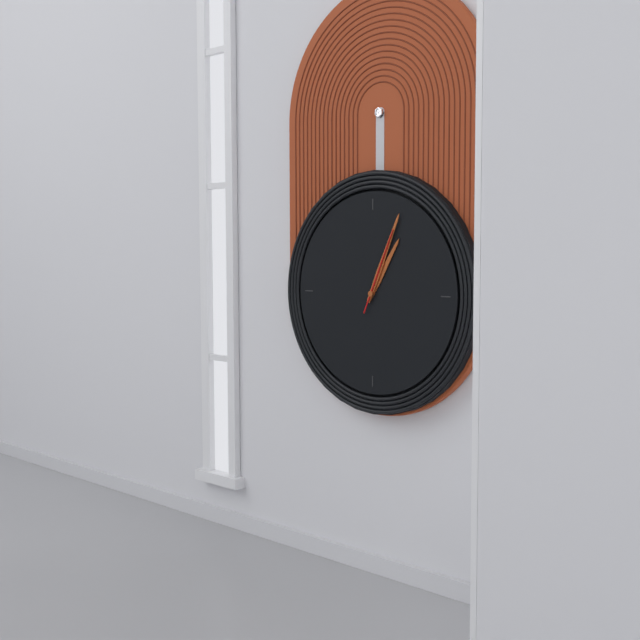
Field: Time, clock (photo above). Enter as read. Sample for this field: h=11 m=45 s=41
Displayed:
h=1 m=4 s=4
